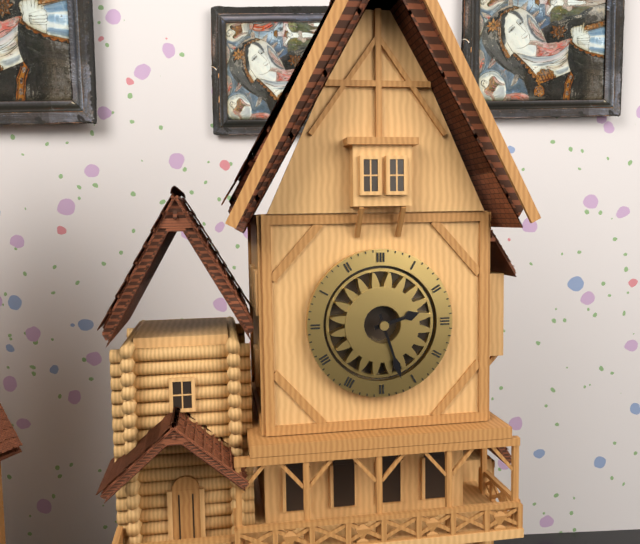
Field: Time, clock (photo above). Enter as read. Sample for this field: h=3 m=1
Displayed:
h=2 m=27
